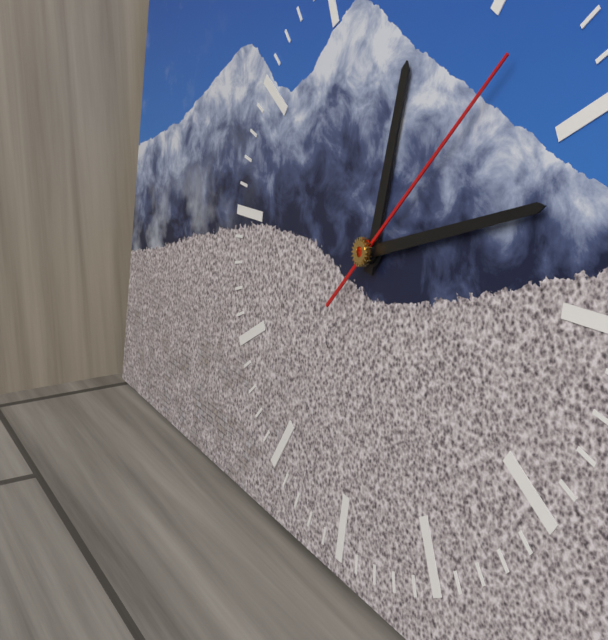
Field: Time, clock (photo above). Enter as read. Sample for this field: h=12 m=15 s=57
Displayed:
h=12 m=12 s=7
